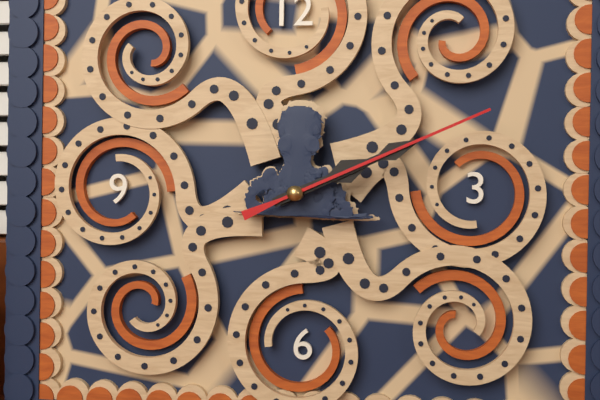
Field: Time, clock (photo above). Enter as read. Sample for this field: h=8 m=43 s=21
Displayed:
h=2 m=11 s=11
